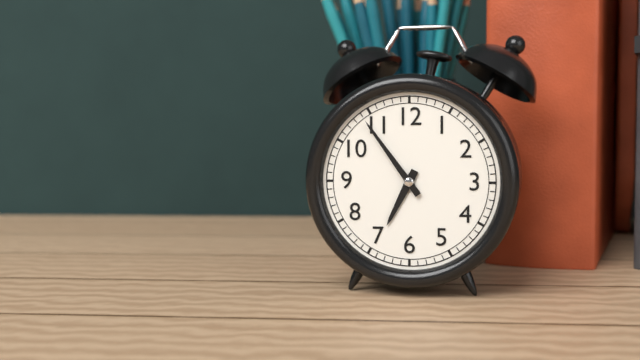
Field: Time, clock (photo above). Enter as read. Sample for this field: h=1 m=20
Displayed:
h=6 m=54
